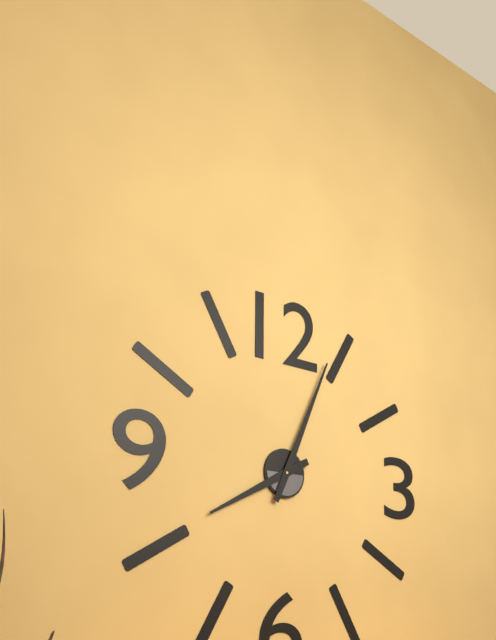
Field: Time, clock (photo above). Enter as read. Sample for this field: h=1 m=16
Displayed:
h=8 m=4
